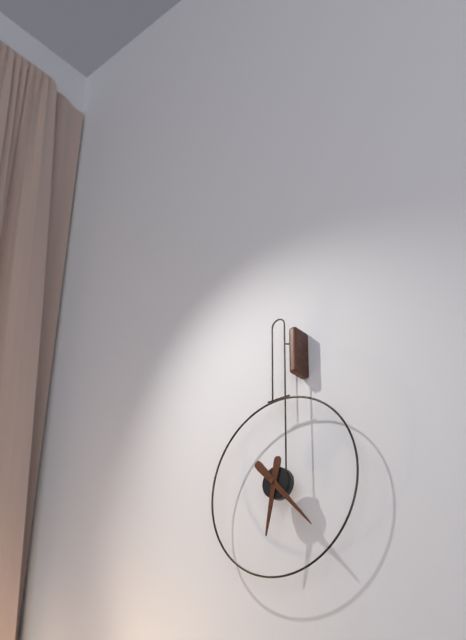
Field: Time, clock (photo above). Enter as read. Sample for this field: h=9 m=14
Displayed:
h=6 m=23
